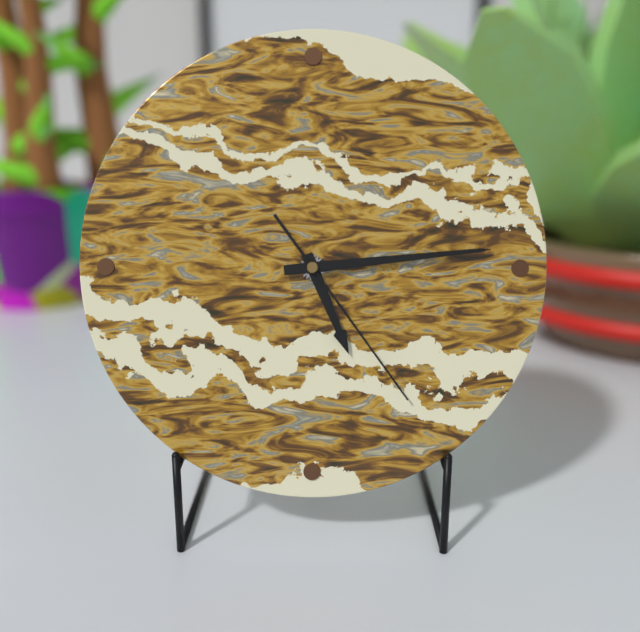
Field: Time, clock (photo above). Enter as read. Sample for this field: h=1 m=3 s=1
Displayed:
h=5 m=14 s=24
